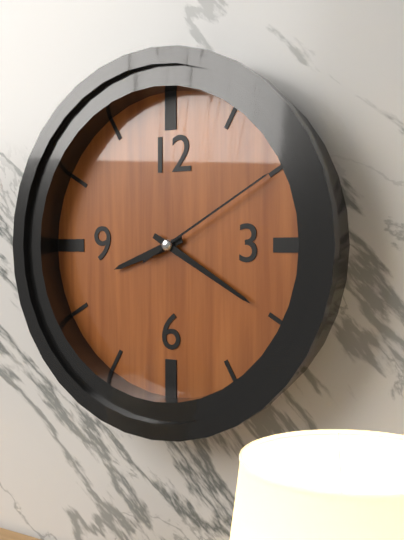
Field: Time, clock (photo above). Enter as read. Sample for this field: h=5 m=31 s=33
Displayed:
h=8 m=20 s=10
